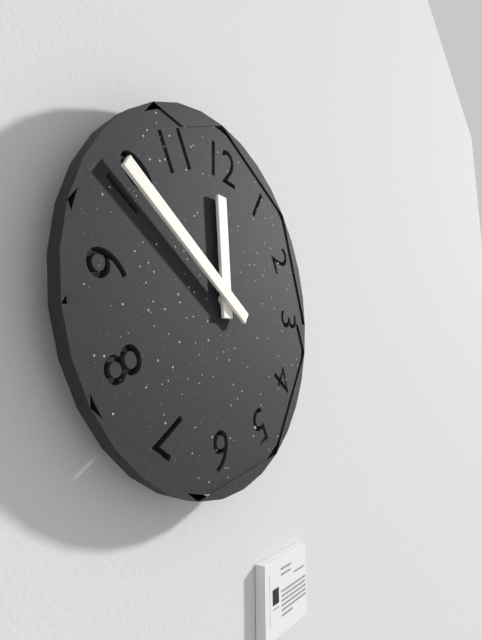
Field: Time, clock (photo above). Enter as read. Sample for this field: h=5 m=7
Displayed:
h=11 m=50
